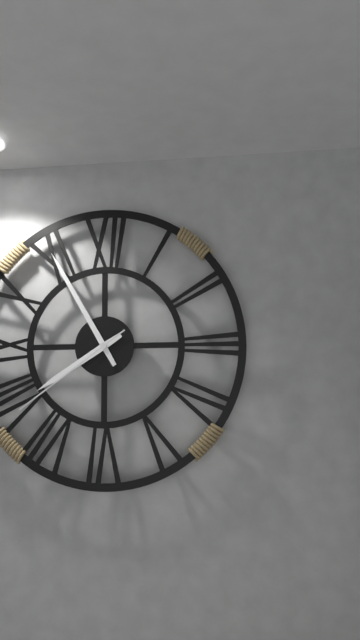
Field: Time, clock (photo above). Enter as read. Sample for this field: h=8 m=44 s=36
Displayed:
h=7 m=55 s=39
